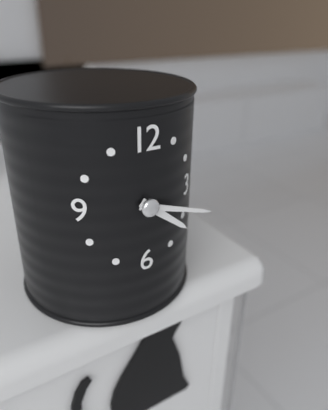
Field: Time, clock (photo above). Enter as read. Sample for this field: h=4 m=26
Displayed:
h=4 m=18
